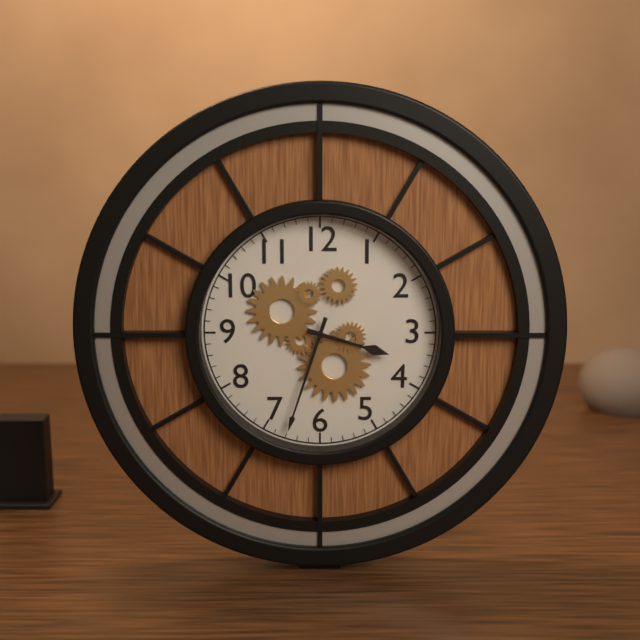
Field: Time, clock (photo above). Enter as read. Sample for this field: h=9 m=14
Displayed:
h=3 m=33
